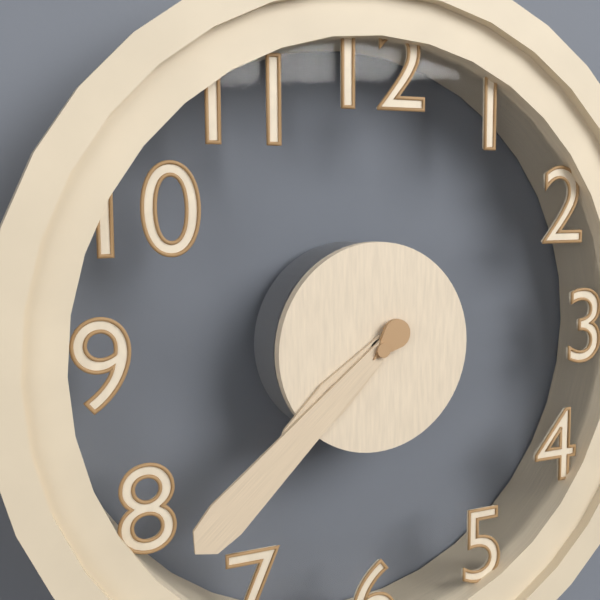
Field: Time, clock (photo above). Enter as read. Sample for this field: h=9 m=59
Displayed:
h=7 m=38
